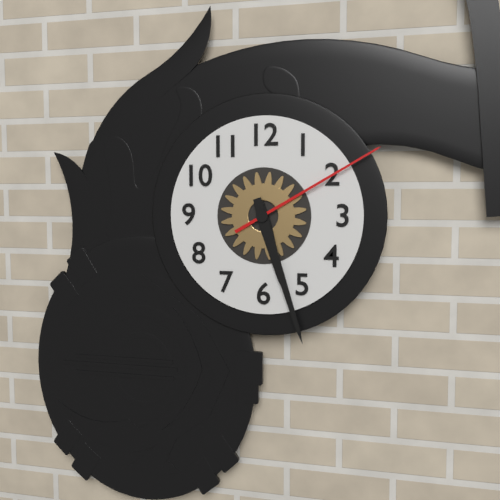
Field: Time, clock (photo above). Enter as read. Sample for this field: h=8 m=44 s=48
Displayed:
h=5 m=27 s=10
